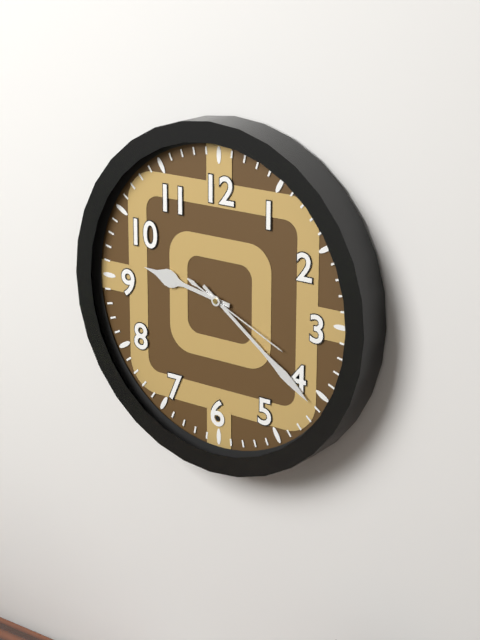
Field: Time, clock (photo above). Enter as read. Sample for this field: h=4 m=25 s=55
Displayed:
h=9 m=21 s=19
